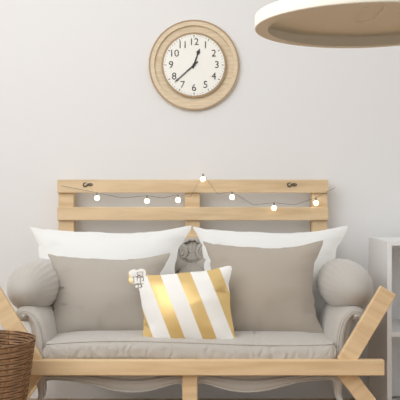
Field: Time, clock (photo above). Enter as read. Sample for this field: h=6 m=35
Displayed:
h=12 m=38
